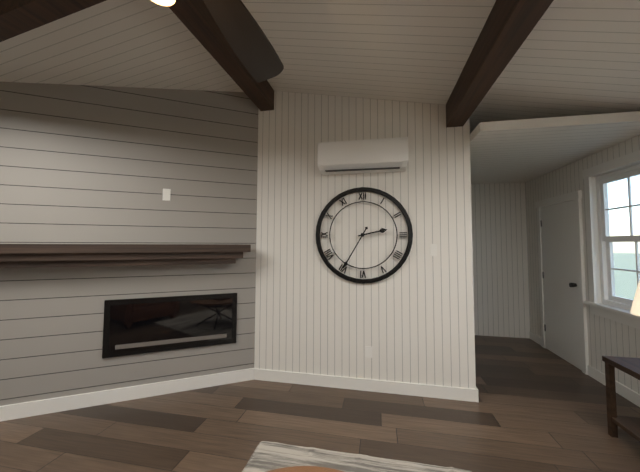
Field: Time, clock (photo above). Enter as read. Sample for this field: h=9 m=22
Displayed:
h=2 m=35
